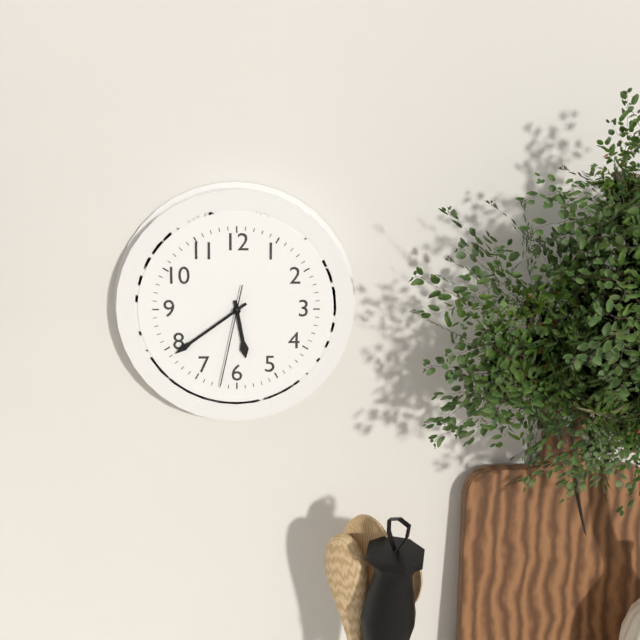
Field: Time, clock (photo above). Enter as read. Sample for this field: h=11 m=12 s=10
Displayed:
h=5 m=39 s=32
